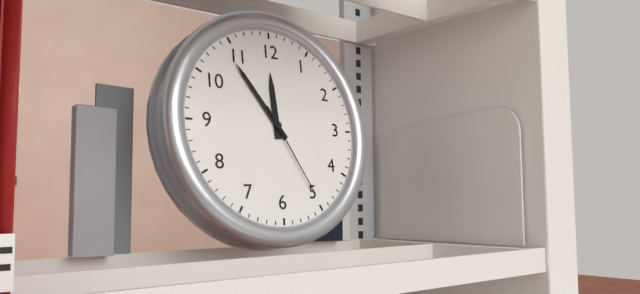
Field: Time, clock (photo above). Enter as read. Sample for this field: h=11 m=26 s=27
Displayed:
h=11 m=54 s=25
